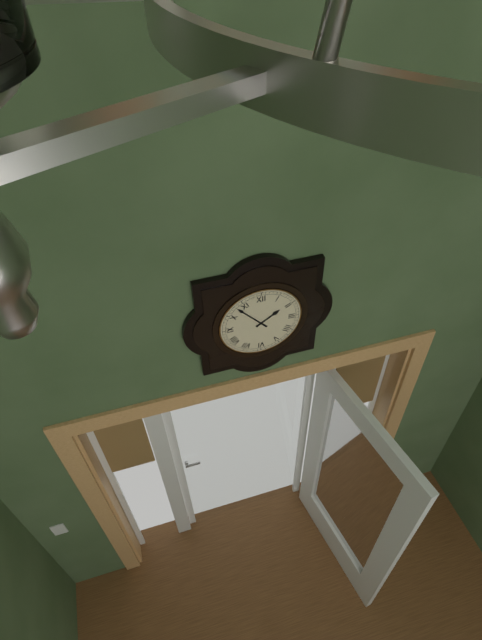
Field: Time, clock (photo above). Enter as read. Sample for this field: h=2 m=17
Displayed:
h=1 m=53
